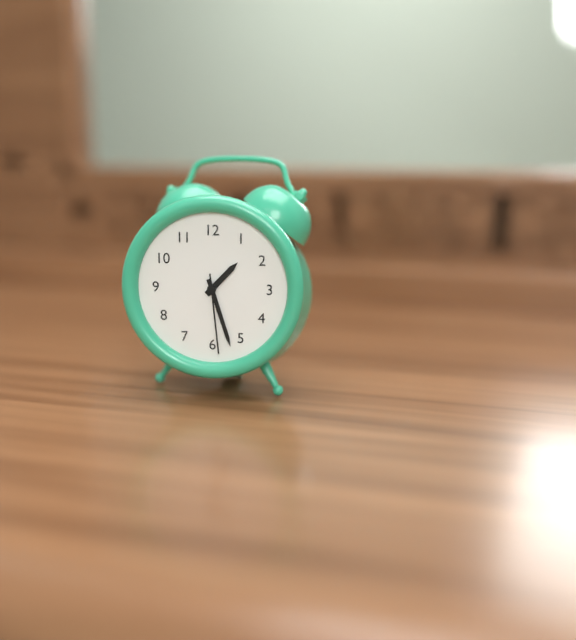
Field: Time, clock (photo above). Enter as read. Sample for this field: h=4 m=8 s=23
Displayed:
h=1 m=27 s=29
